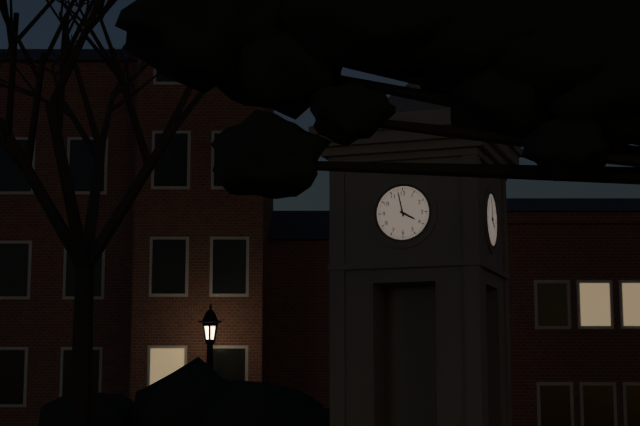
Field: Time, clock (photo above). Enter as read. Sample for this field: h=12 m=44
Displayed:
h=3 m=58
